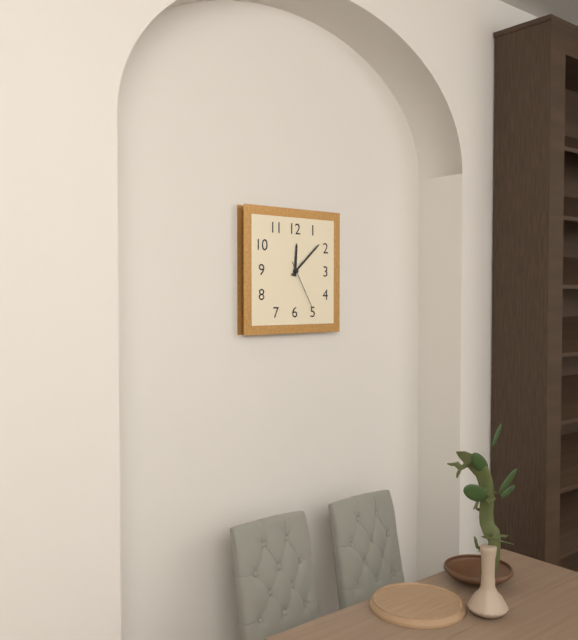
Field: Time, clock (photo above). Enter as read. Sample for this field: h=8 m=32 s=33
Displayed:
h=12 m=8 s=25
